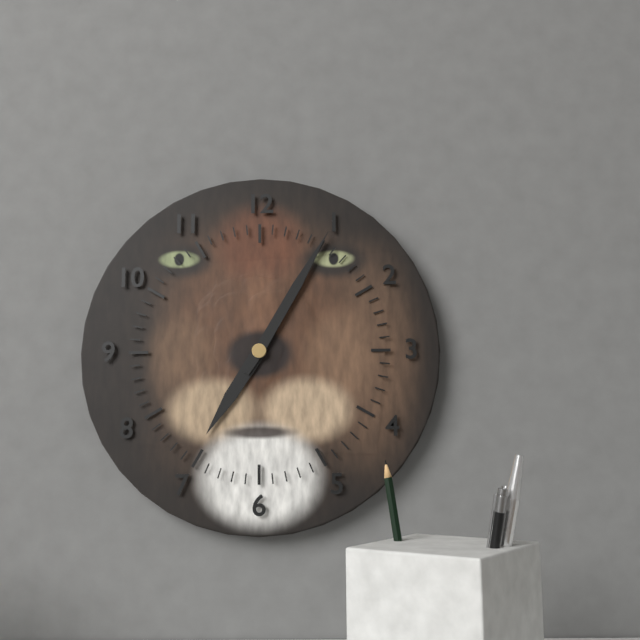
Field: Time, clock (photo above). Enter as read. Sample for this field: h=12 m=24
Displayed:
h=7 m=5
